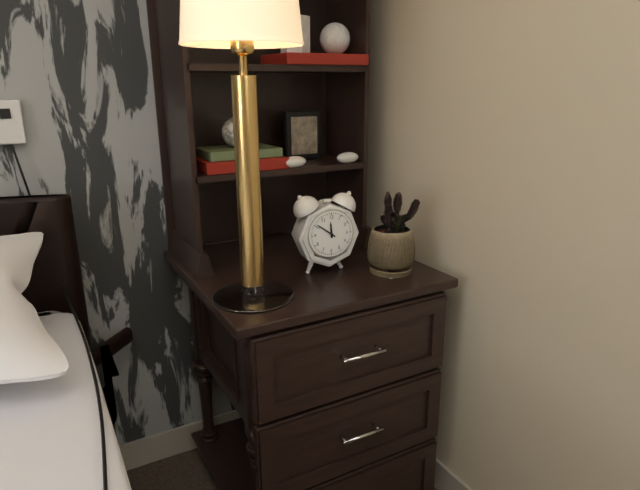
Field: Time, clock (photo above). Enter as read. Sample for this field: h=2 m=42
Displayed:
h=11 m=51
